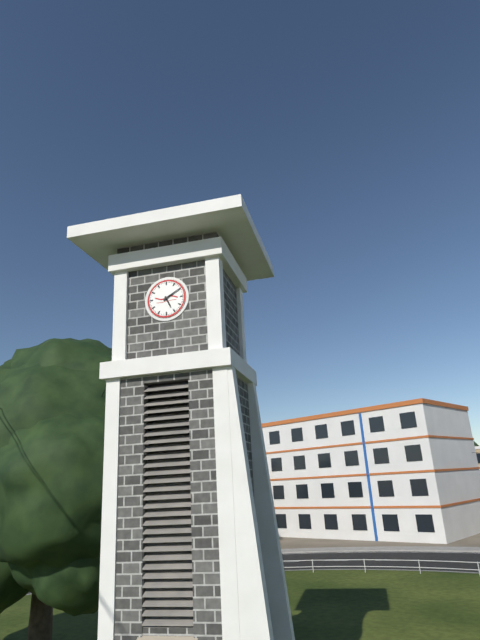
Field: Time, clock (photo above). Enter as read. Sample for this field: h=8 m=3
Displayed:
h=5 m=10
